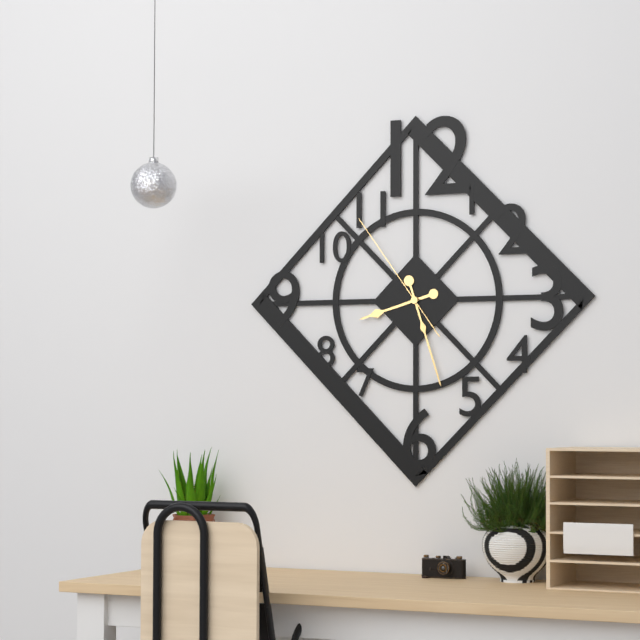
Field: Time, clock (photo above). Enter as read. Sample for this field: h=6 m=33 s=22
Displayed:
h=8 m=27 s=54
